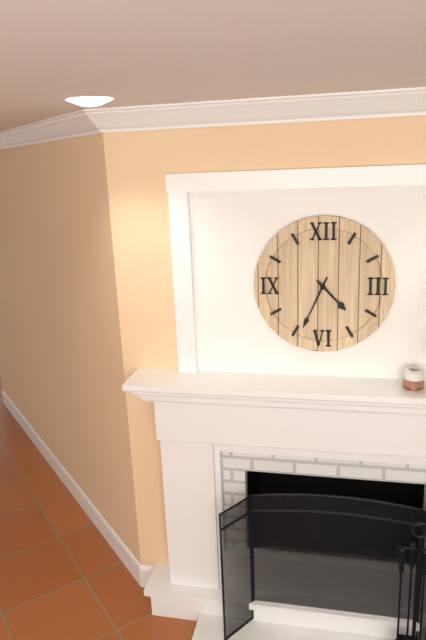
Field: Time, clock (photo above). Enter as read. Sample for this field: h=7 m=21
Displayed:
h=4 m=34
